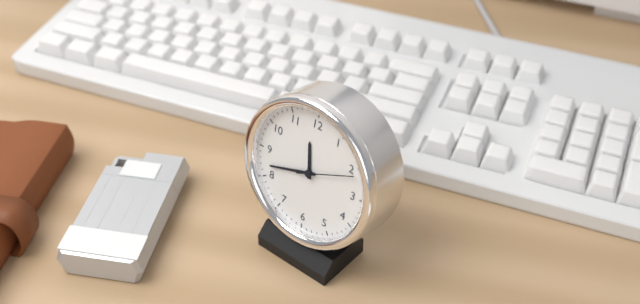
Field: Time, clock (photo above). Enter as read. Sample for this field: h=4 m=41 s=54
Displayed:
h=11 m=42 s=11
